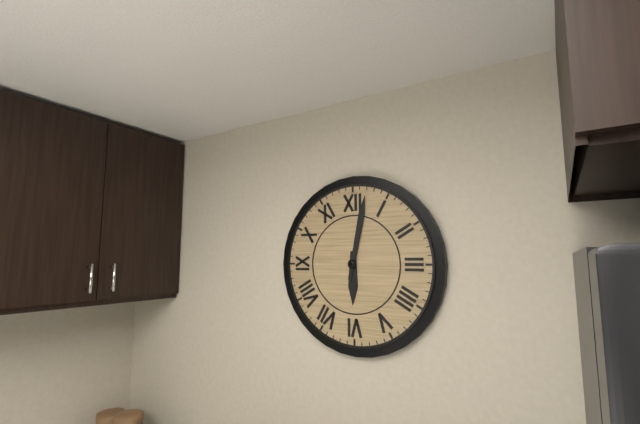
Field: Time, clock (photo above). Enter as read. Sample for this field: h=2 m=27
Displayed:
h=6 m=2
